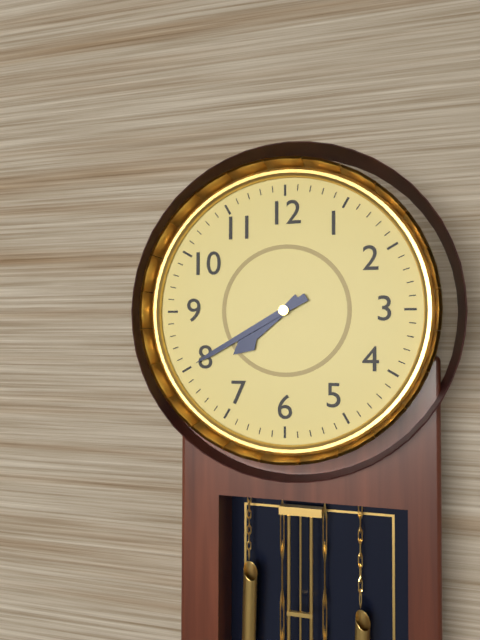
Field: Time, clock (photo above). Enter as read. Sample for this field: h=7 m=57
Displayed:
h=7 m=40
